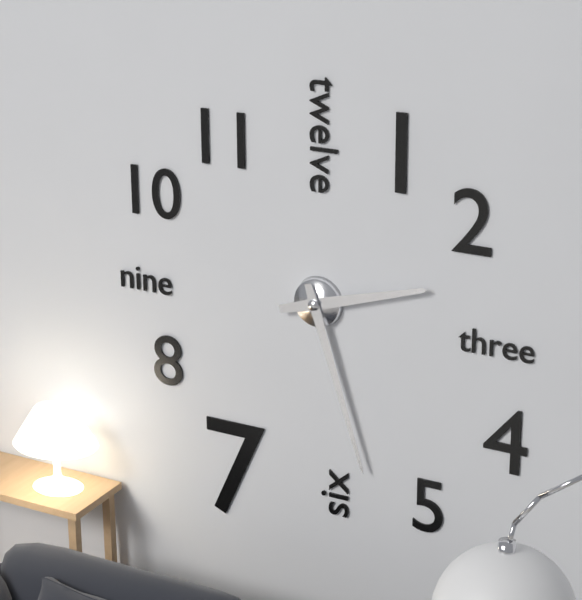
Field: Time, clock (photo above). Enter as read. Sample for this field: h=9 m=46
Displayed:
h=2 m=27
